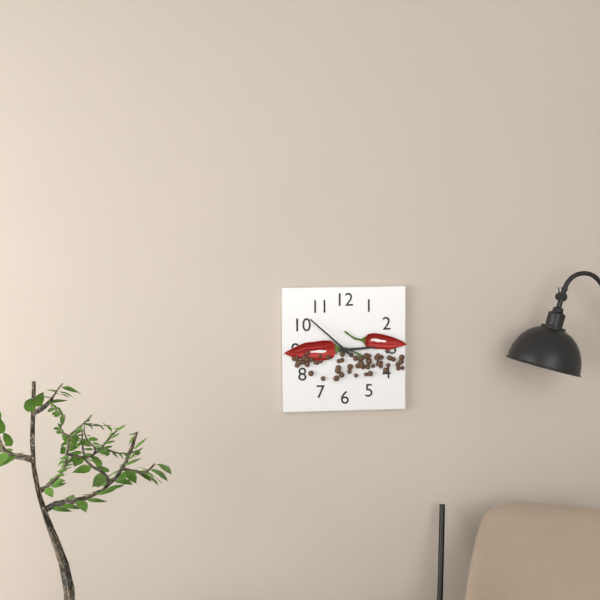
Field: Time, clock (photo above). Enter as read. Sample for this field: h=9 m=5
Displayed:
h=2 m=52
